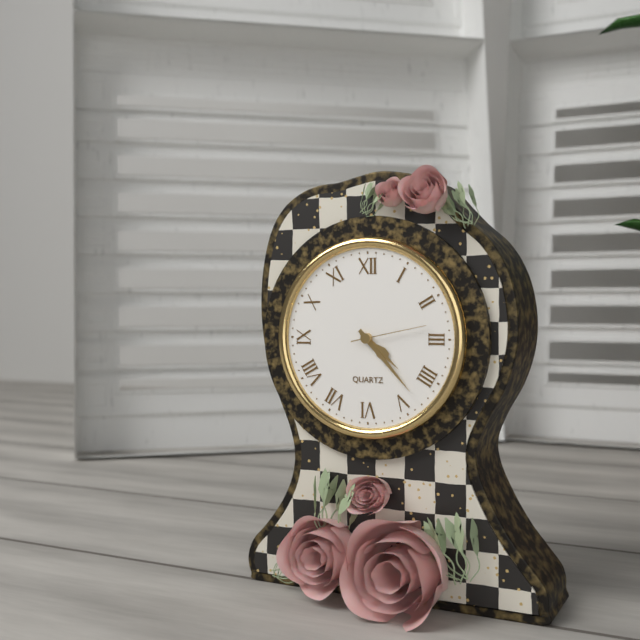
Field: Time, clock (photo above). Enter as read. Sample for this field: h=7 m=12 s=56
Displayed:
h=4 m=23 s=13
